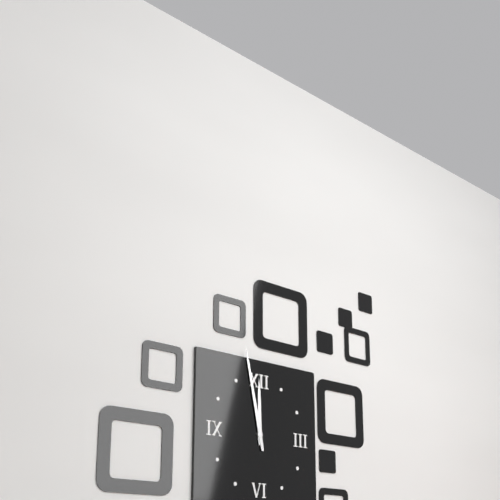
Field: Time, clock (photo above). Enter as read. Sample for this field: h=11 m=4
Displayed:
h=11 m=58
